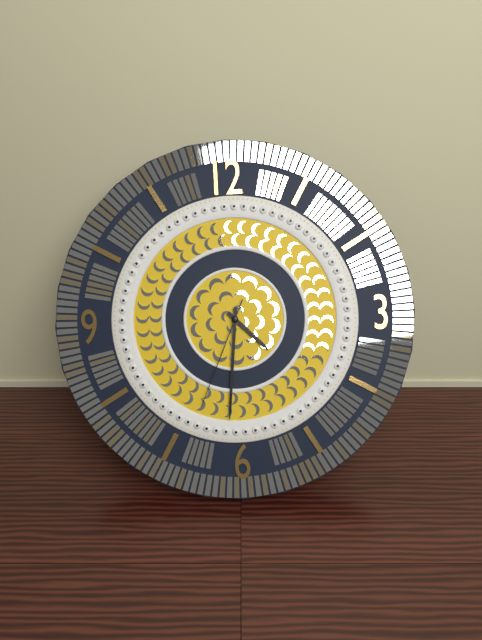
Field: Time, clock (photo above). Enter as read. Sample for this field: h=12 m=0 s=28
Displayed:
h=4 m=31 s=34
